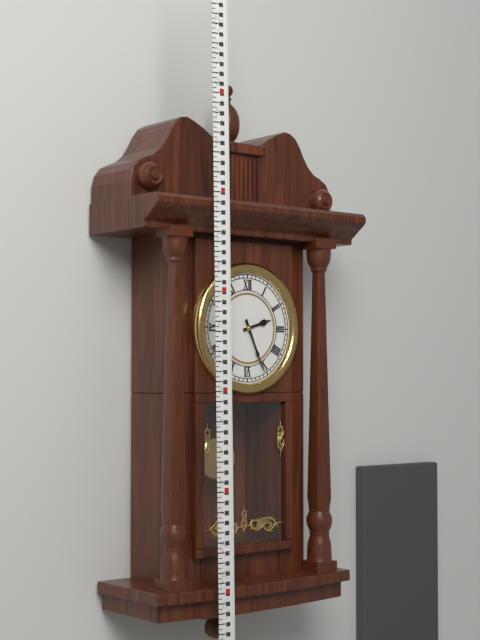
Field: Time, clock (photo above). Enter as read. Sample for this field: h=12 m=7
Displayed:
h=2 m=26
